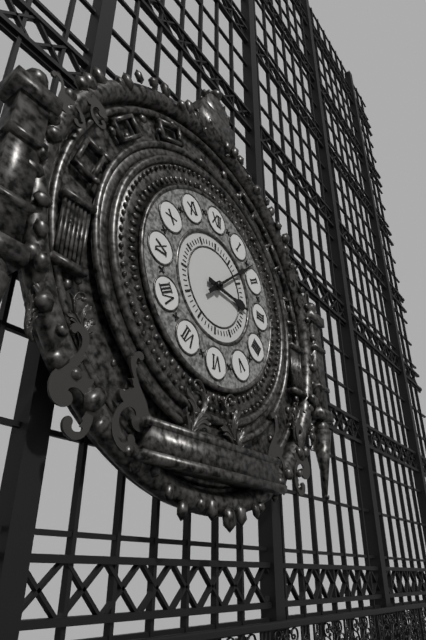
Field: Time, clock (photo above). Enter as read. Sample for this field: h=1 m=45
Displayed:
h=3 m=8
